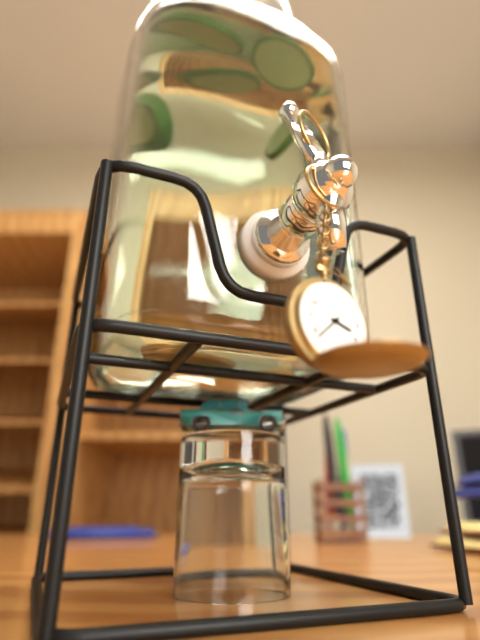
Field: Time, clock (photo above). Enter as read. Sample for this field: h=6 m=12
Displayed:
h=3 m=38
